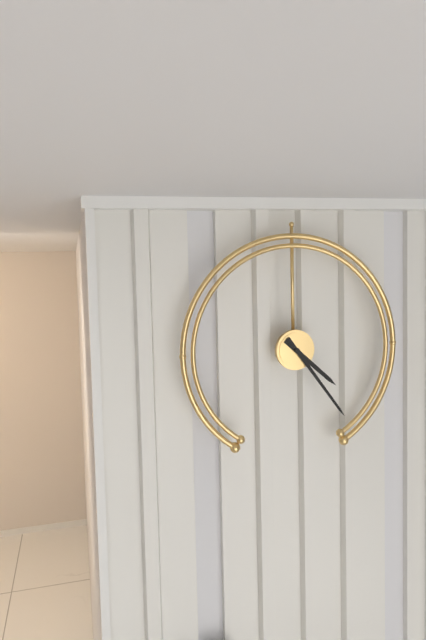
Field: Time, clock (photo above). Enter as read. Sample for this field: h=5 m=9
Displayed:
h=4 m=24
